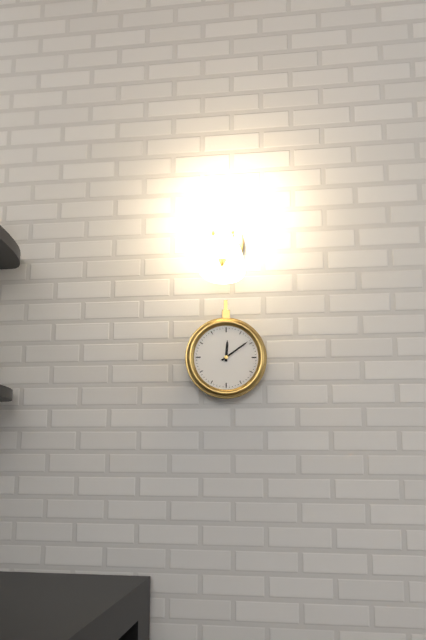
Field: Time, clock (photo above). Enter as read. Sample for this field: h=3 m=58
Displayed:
h=12 m=9
